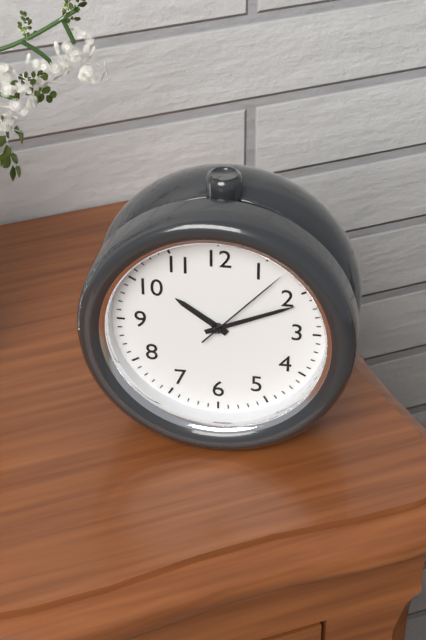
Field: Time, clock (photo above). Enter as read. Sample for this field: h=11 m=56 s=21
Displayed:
h=10 m=11 s=7
